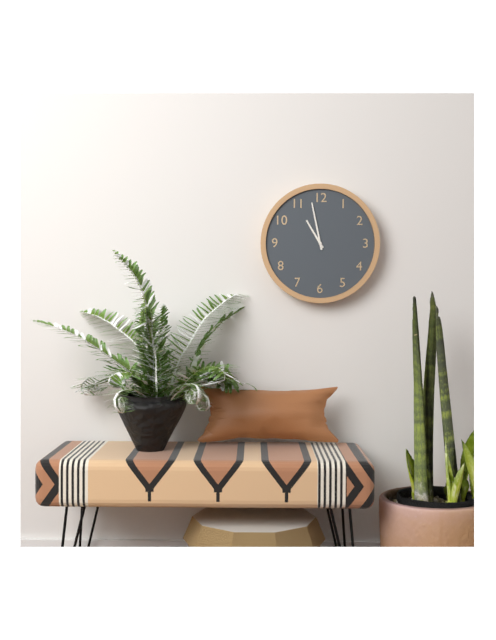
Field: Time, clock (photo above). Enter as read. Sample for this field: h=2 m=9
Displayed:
h=10 m=58
